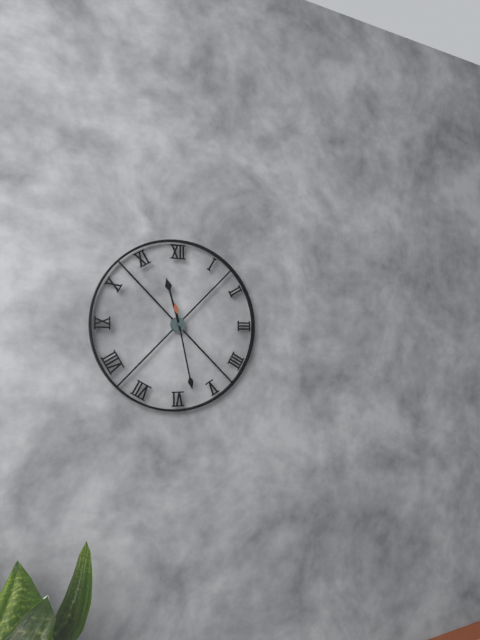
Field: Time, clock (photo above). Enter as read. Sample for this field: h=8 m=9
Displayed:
h=11 m=28
